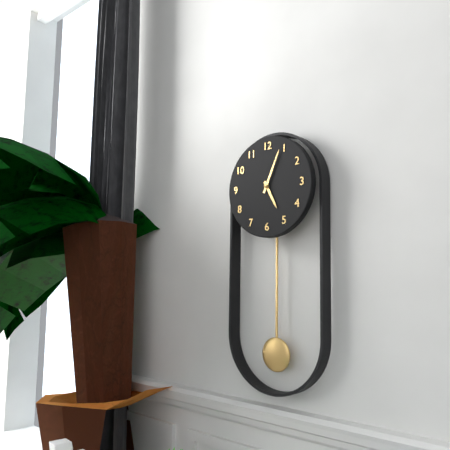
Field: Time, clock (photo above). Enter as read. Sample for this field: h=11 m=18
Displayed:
h=5 m=4
